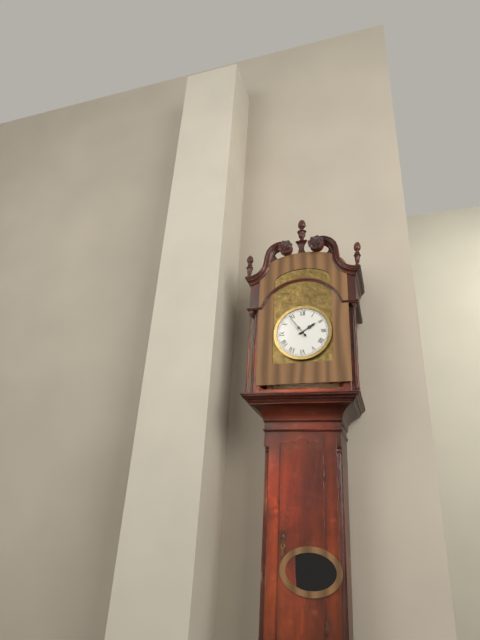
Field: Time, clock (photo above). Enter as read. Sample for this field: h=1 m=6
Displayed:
h=1 m=54
